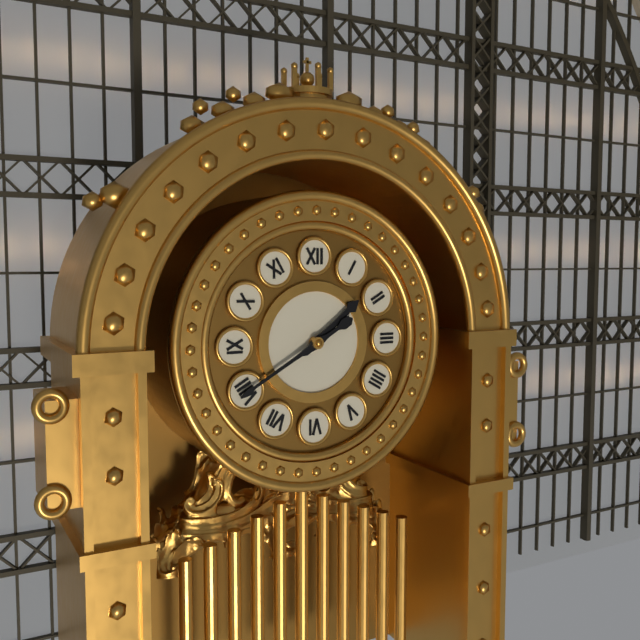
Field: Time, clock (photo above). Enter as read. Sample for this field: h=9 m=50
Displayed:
h=1 m=40
